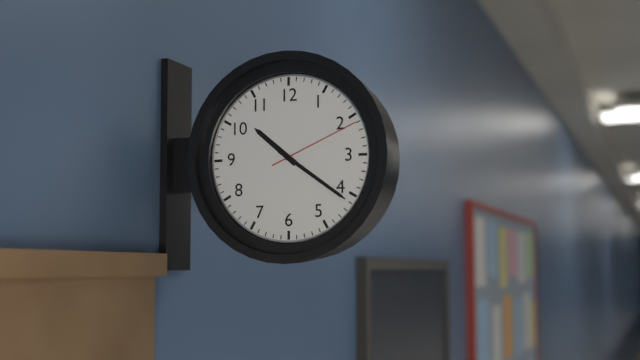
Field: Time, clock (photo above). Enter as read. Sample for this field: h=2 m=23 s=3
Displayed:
h=10 m=21 s=11
